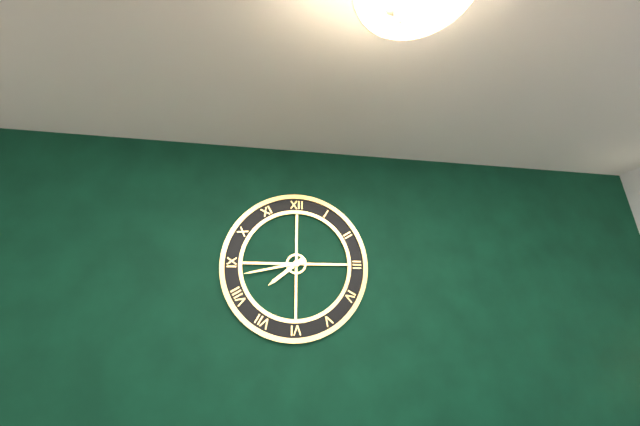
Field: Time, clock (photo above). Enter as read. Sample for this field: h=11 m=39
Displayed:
h=7 m=43
